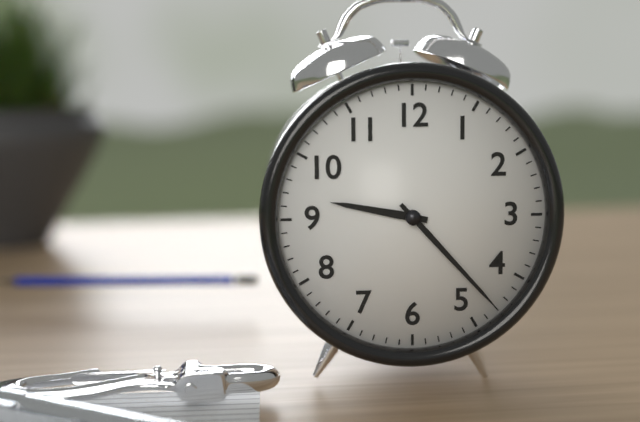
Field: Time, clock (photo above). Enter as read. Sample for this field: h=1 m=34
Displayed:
h=9 m=23
